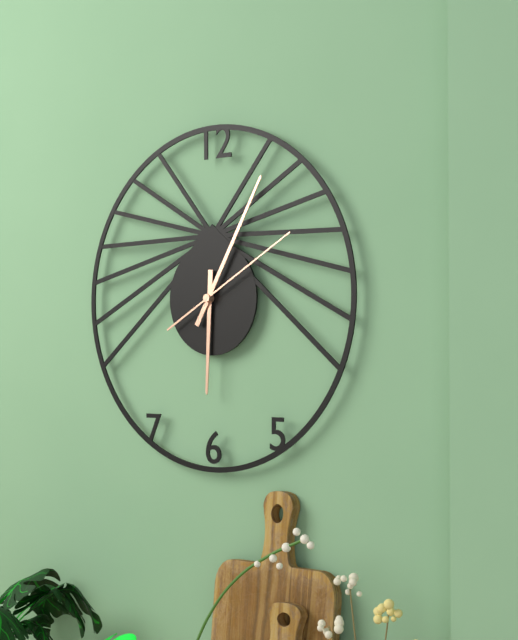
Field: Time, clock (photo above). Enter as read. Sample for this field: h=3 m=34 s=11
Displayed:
h=6 m=5 s=10
